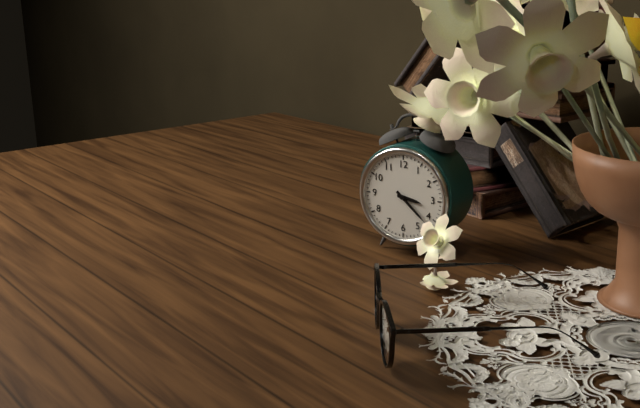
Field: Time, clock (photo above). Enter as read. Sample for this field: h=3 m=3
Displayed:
h=3 m=22
